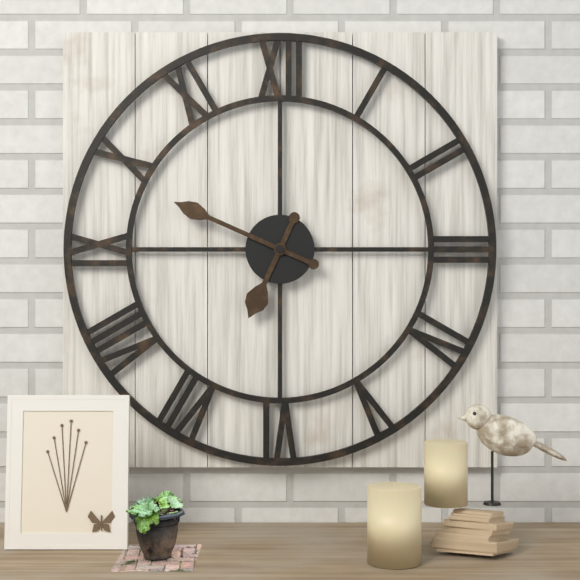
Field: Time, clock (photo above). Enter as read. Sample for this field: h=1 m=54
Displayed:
h=6 m=49
